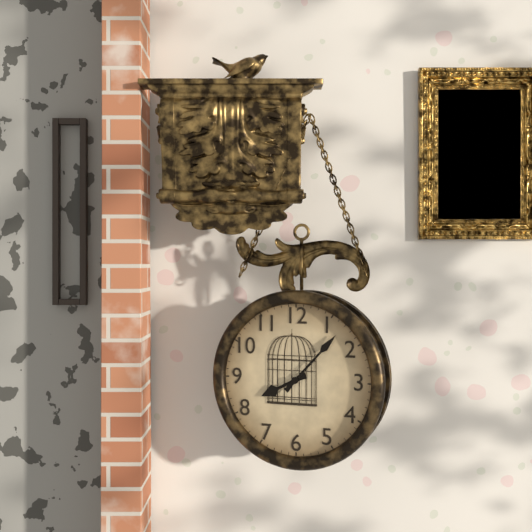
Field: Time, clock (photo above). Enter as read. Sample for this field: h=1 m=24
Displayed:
h=8 m=7
